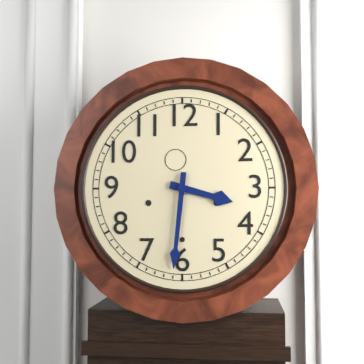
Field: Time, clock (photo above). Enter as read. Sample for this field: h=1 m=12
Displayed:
h=3 m=31
